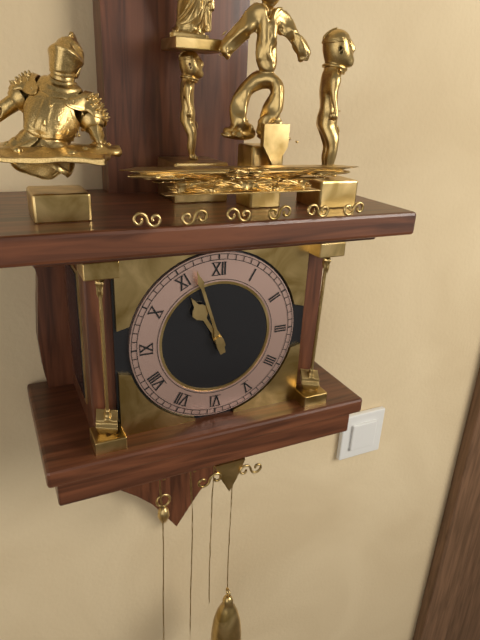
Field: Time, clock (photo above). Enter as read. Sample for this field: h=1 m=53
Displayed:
h=10 m=57
